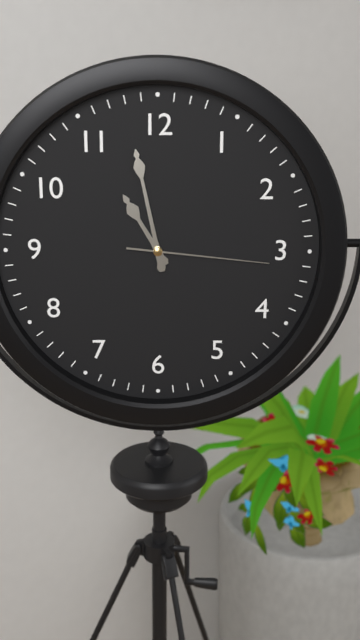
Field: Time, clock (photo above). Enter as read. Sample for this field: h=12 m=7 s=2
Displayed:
h=10 m=58 s=16
